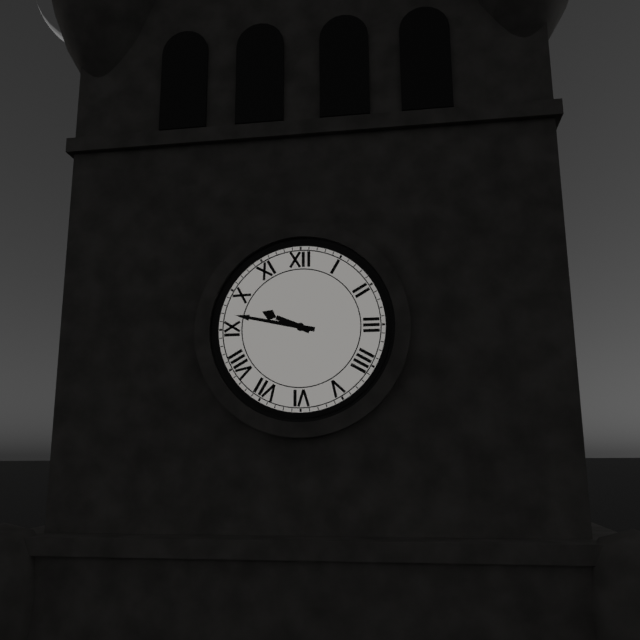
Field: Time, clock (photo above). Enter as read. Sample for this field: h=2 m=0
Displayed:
h=9 m=47
